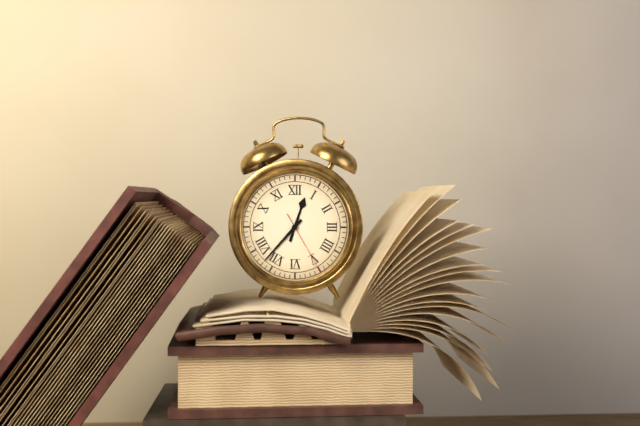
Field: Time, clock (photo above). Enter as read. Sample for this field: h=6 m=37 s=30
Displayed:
h=12 m=37 s=25
